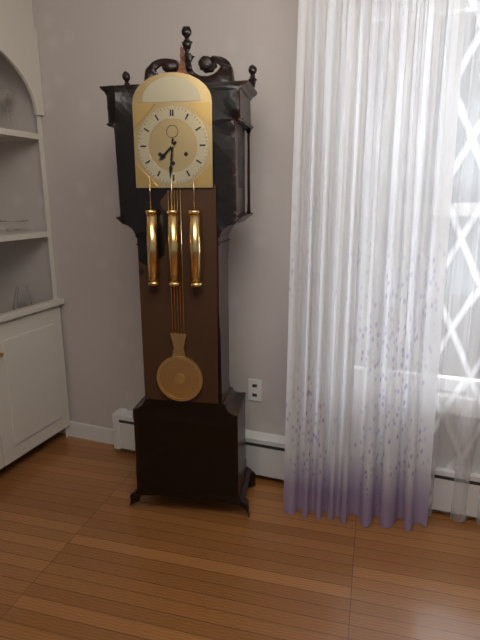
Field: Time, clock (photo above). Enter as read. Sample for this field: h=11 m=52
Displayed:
h=7 m=31
